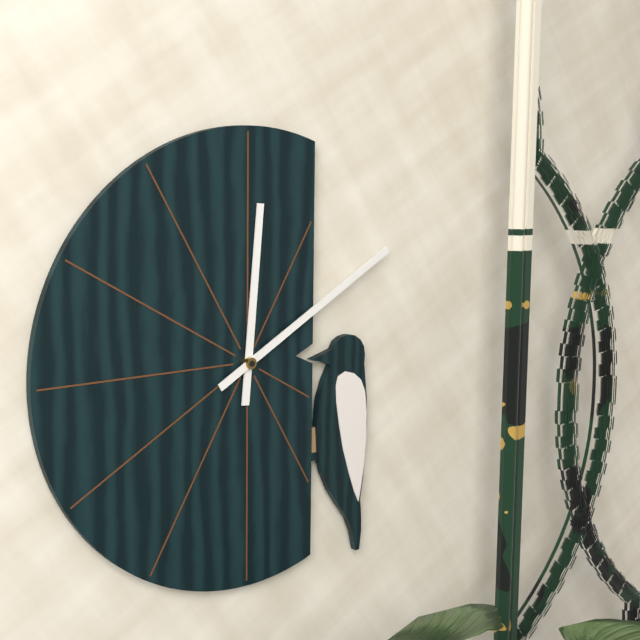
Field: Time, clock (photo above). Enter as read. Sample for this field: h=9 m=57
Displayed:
h=12 m=10
